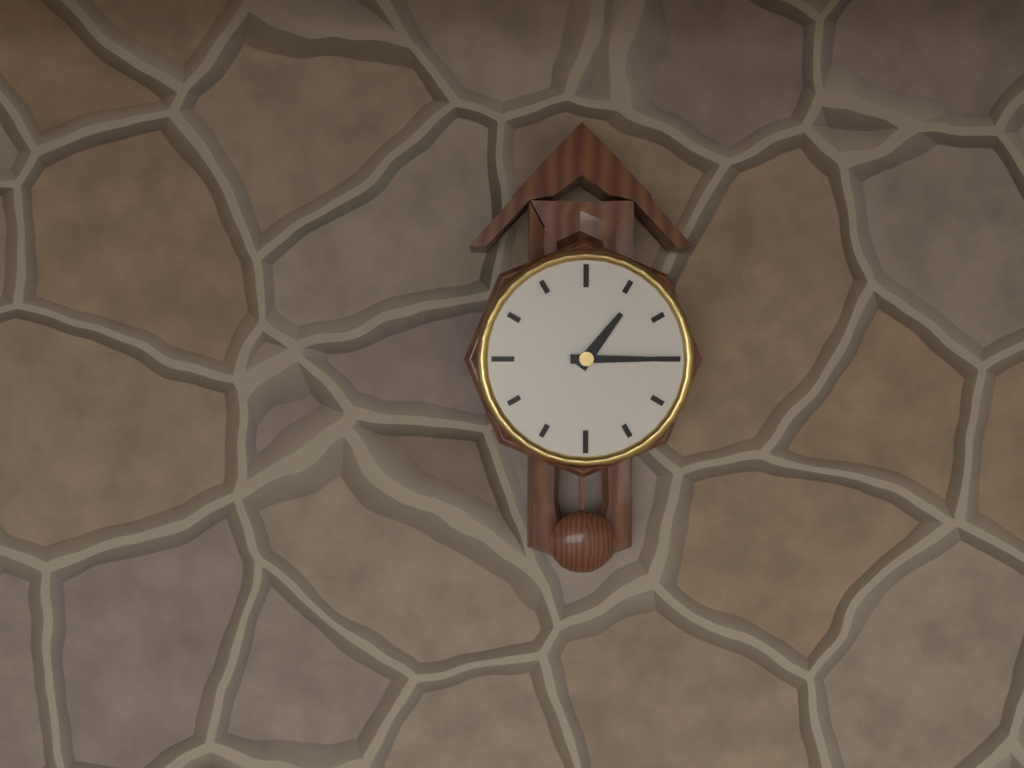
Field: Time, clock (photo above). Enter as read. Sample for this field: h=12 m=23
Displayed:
h=1 m=15
